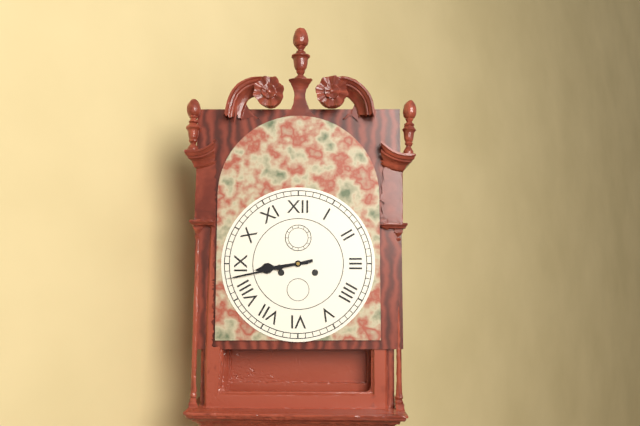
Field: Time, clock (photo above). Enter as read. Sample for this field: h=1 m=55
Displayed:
h=8 m=43
